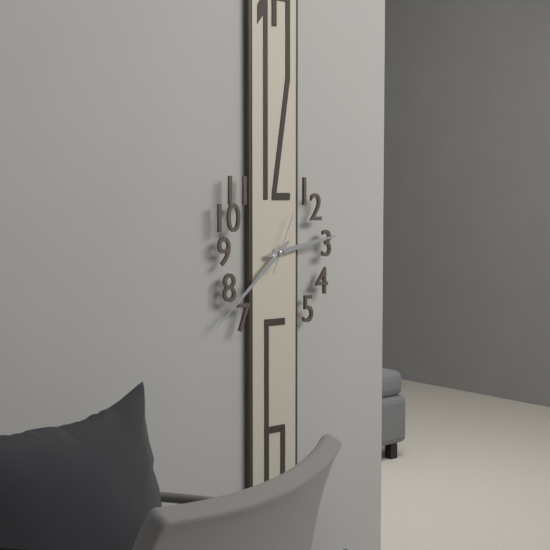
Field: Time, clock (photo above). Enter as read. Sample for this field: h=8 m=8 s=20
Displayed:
h=2 m=38 s=4
